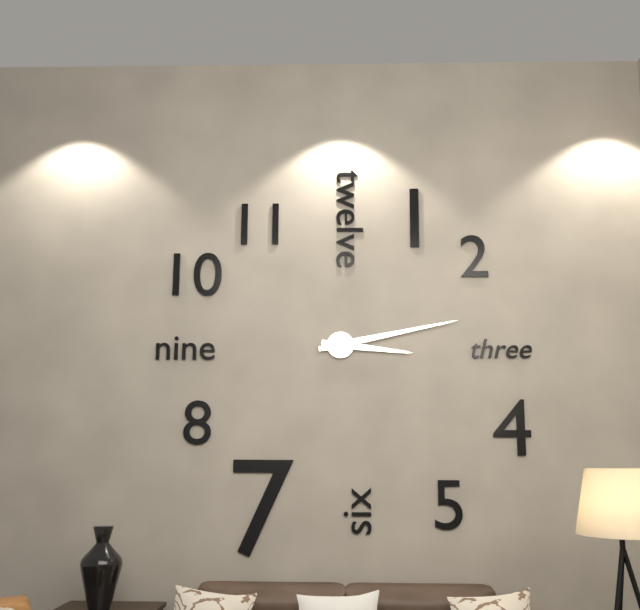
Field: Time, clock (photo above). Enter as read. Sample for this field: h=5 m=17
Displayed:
h=3 m=13
